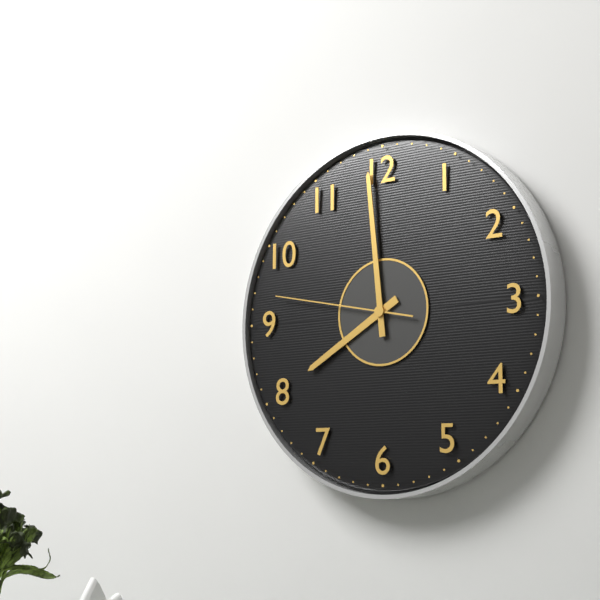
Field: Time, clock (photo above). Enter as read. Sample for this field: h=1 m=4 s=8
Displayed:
h=7 m=59 s=47
